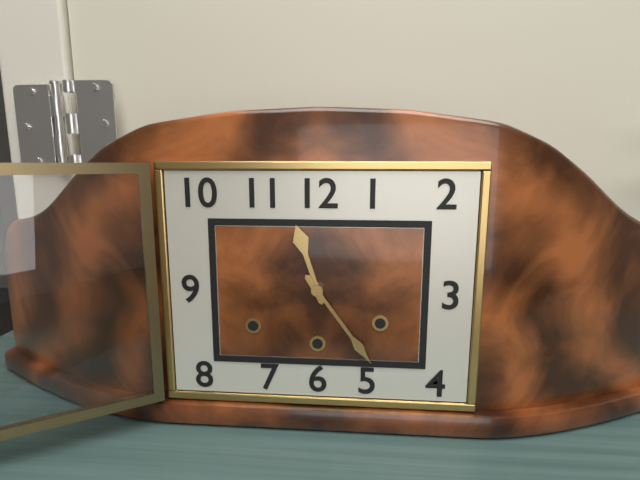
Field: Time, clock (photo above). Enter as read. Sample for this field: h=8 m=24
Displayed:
h=11 m=24
